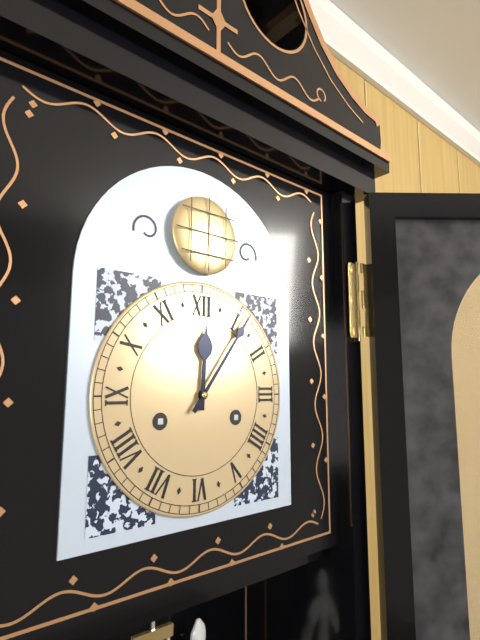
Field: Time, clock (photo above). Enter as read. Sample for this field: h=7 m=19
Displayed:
h=12 m=6
